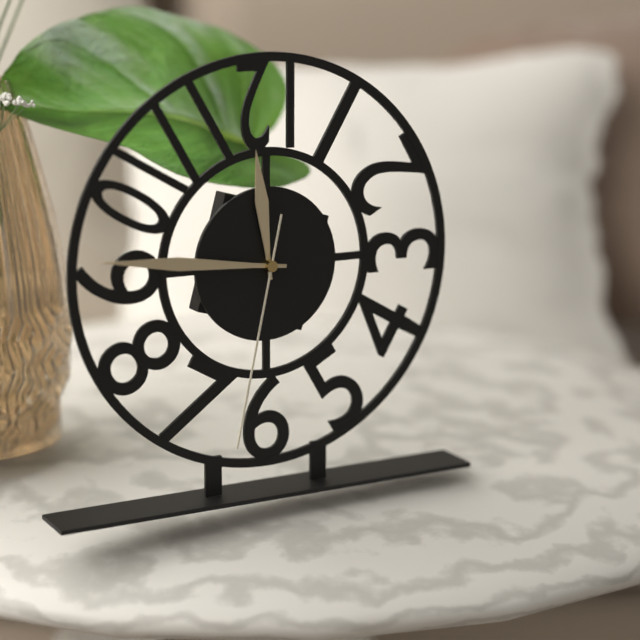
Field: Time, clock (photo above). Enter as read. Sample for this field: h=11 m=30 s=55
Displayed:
h=11 m=46 s=32
